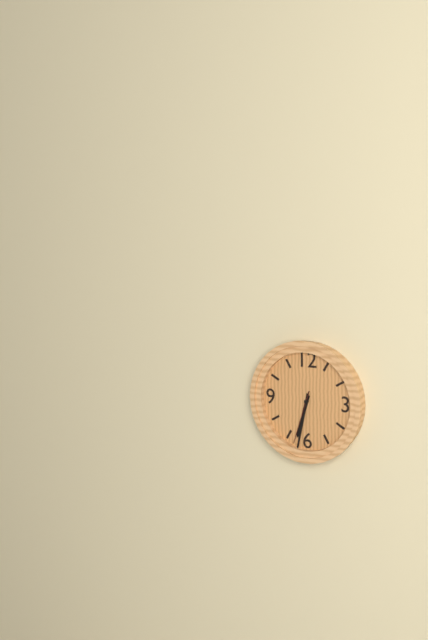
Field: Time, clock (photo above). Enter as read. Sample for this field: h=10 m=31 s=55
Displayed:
h=6 m=32 s=33
